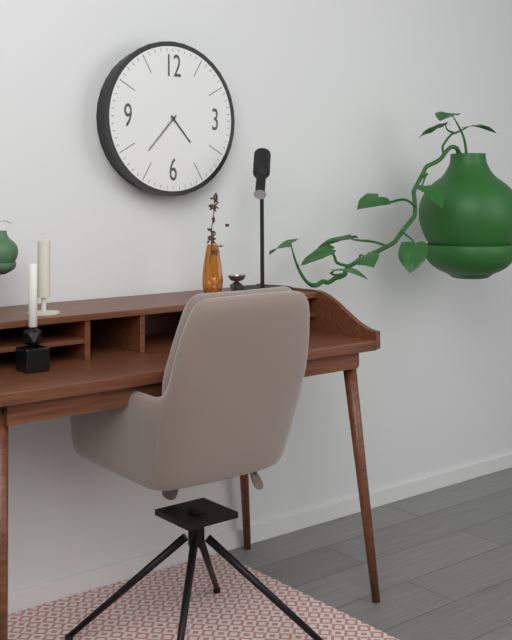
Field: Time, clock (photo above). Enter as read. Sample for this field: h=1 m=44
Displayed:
h=4 m=37
